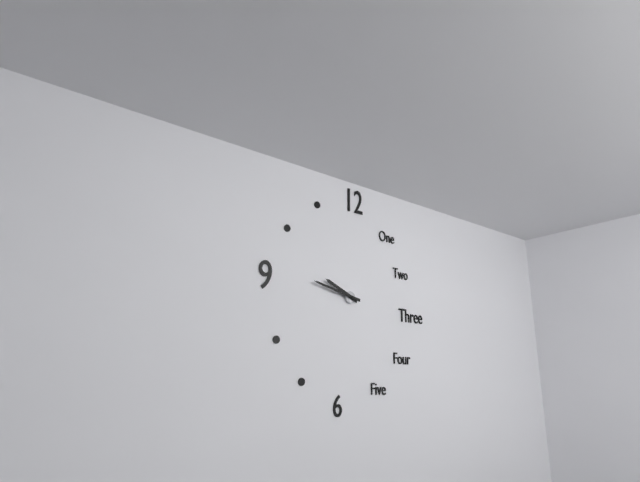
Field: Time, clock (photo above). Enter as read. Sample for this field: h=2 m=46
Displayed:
h=9 m=47
